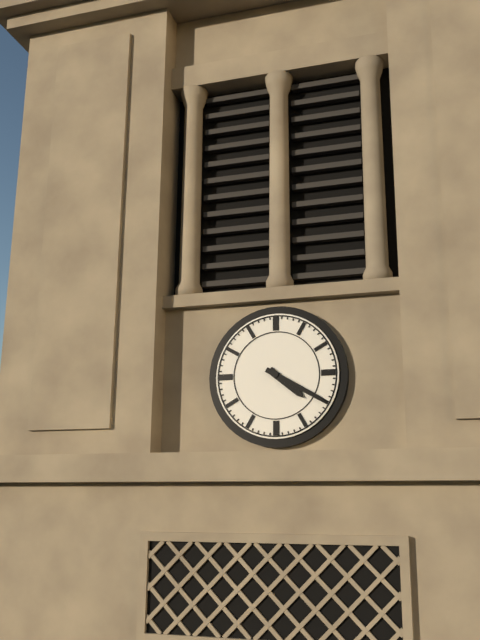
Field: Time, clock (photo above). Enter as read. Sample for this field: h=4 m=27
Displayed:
h=4 m=20
